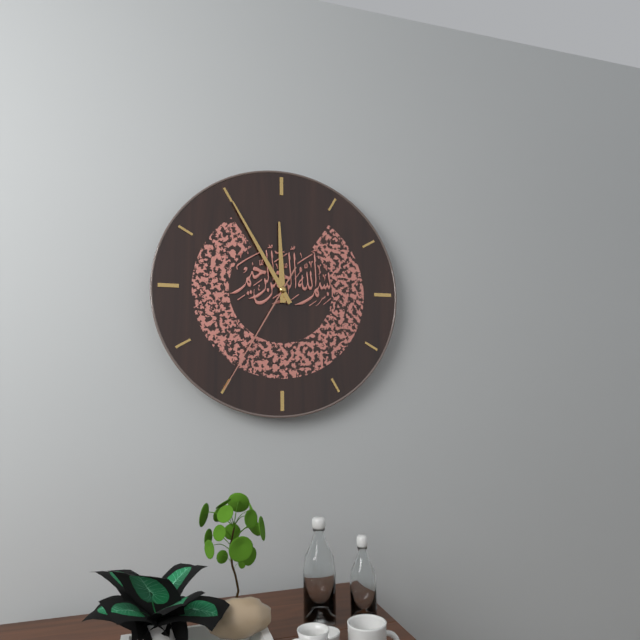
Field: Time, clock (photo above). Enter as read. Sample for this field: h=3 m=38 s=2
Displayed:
h=11 m=55 s=35
